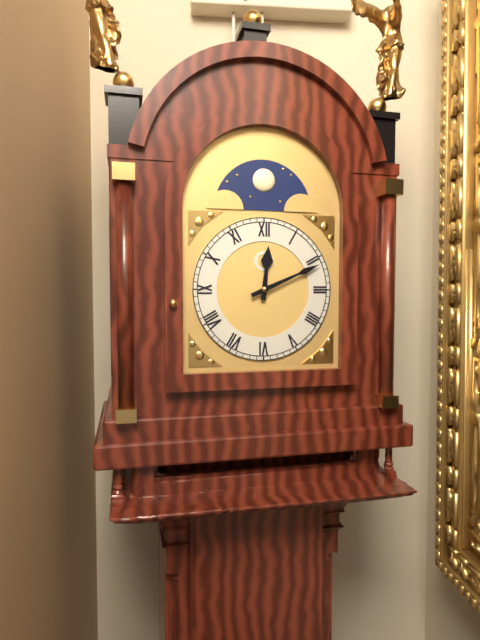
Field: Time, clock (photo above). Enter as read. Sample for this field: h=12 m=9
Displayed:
h=12 m=11
